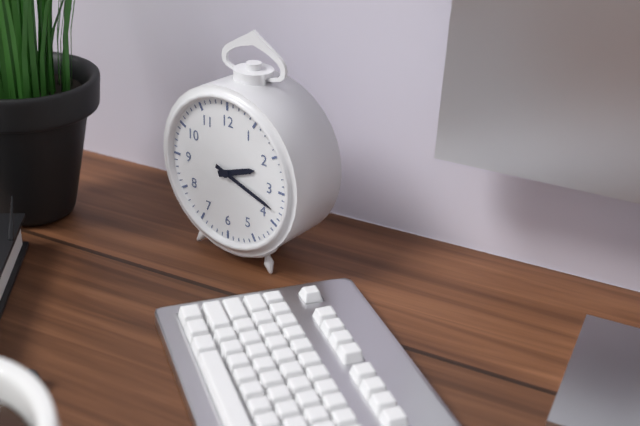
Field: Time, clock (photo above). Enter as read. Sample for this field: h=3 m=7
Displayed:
h=2 m=18
